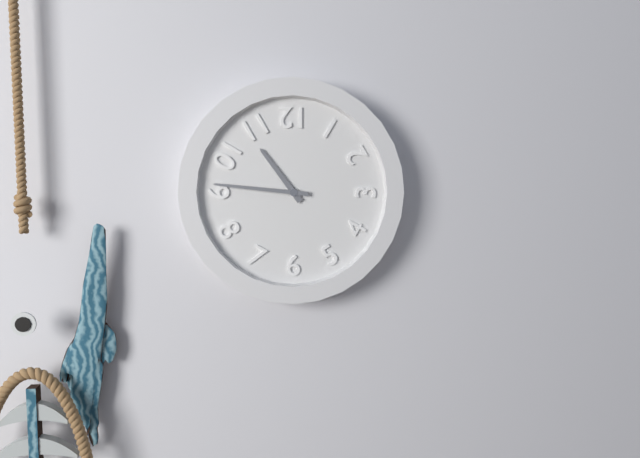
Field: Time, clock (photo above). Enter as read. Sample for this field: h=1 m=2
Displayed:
h=10 m=46
